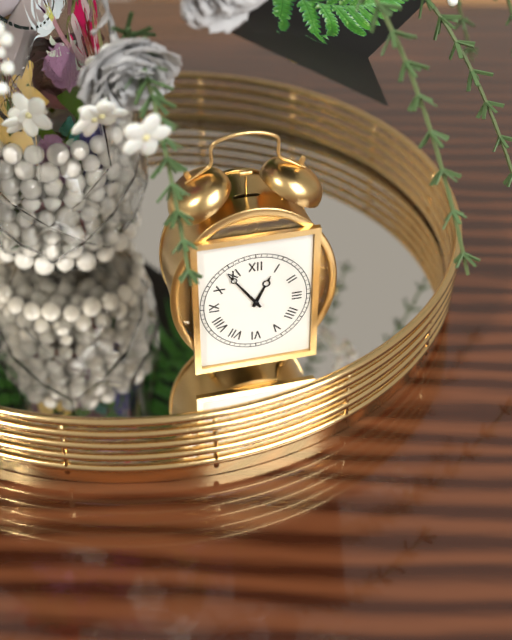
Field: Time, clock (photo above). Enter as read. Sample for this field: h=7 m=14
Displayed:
h=12 m=54
